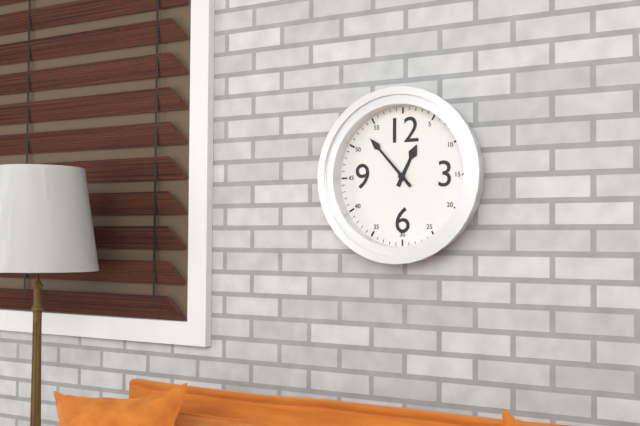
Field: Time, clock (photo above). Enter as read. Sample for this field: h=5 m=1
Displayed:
h=12 m=53
